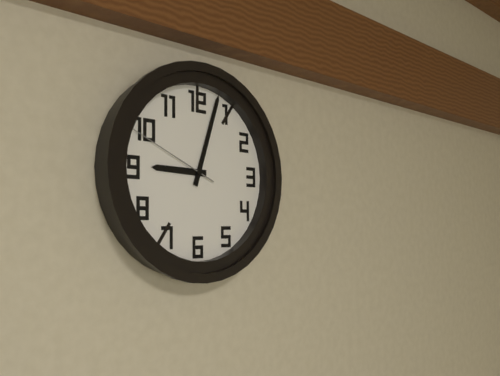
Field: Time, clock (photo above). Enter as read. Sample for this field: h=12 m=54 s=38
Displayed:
h=9 m=3 s=49
